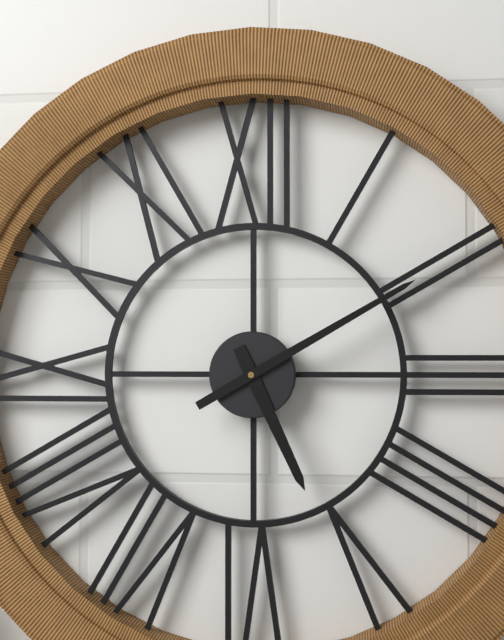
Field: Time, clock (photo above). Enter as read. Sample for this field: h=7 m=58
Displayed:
h=5 m=10
